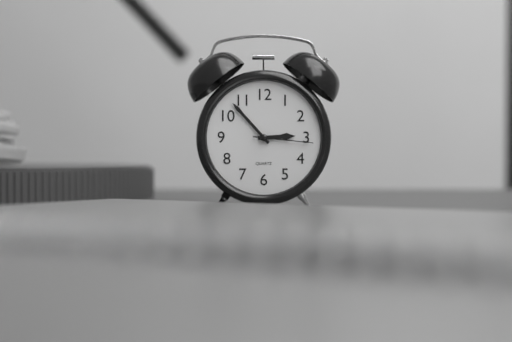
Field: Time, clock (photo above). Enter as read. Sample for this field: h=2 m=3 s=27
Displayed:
h=2 m=53 s=16
